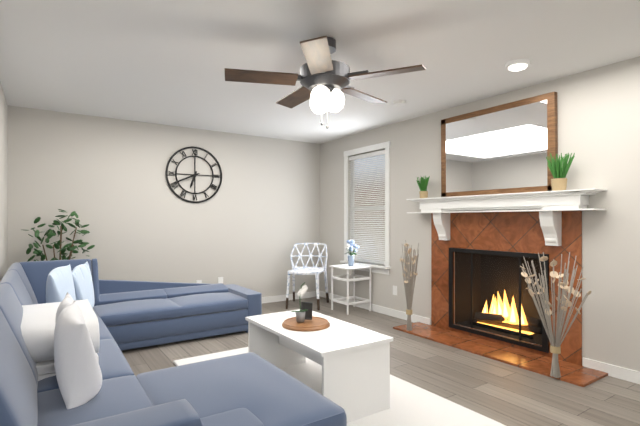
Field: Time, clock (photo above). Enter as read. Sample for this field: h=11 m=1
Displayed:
h=6 m=41
